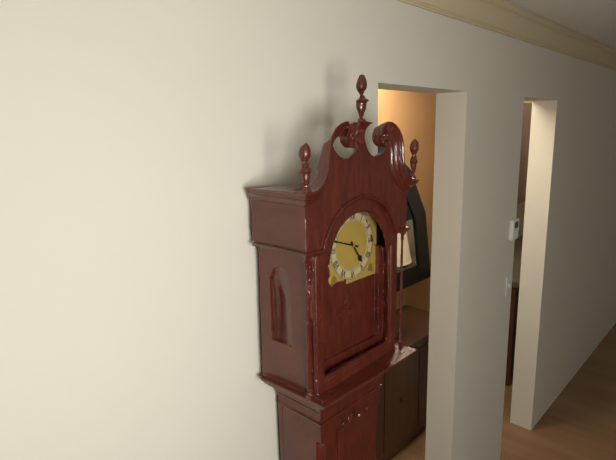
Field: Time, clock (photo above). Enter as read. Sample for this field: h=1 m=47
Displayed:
h=4 m=48
